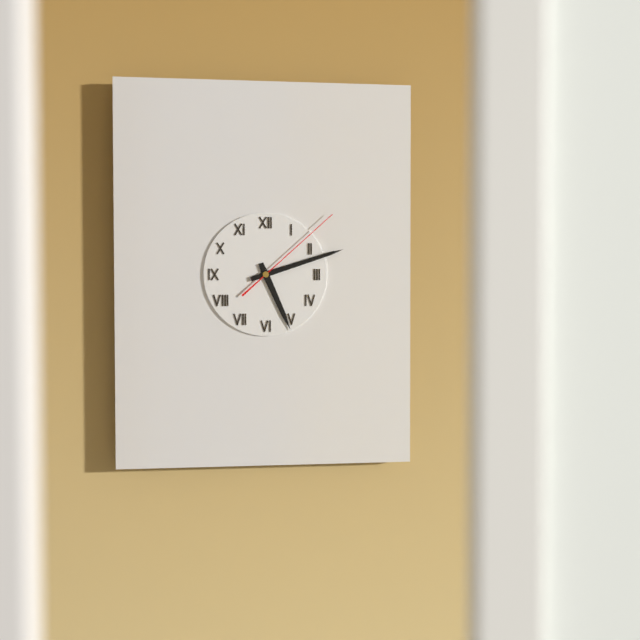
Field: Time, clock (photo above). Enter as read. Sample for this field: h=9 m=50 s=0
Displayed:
h=5 m=12 s=8
